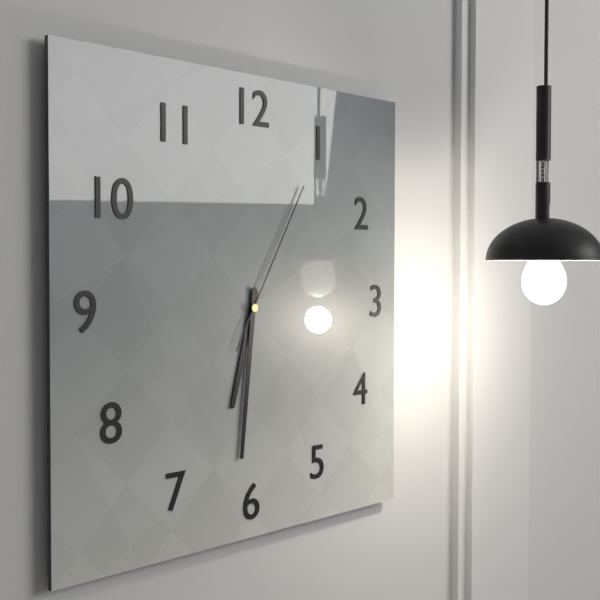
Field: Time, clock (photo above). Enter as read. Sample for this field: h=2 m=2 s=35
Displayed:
h=6 m=31 s=5
